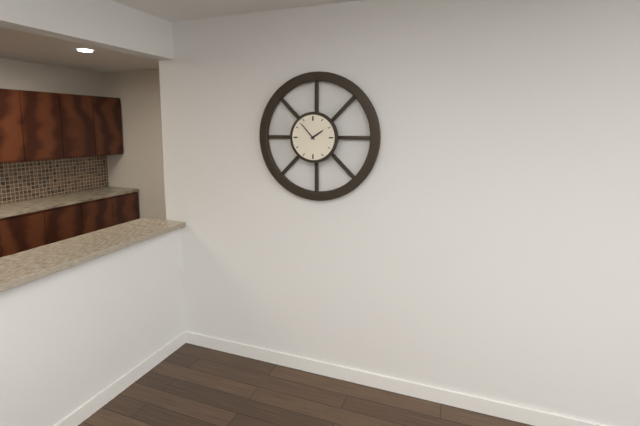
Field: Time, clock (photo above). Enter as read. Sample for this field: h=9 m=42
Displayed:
h=1 m=53
